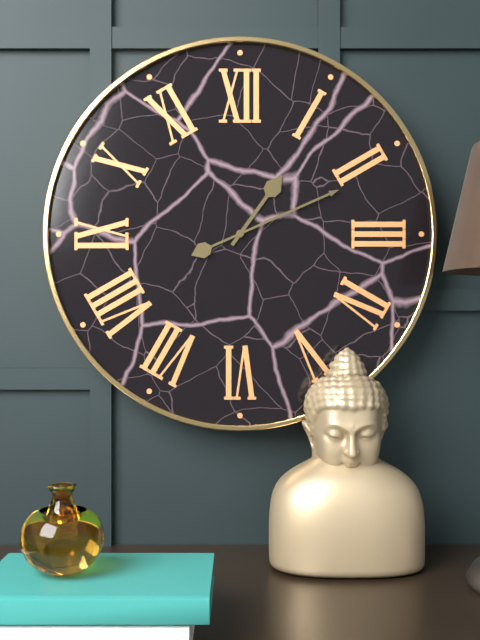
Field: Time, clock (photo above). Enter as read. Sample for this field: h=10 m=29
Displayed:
h=1 m=11
